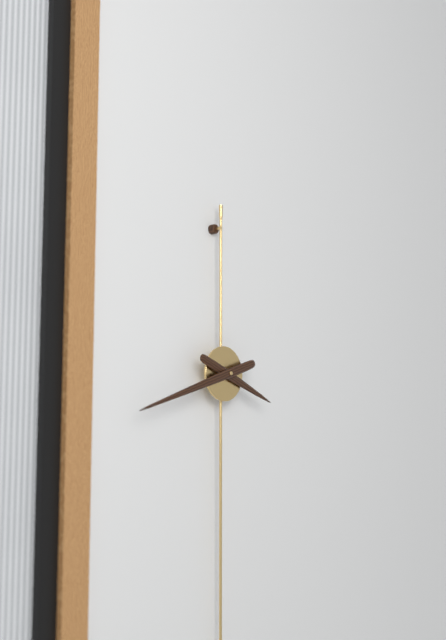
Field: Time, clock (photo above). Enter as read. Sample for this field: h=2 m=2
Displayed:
h=3 m=42
